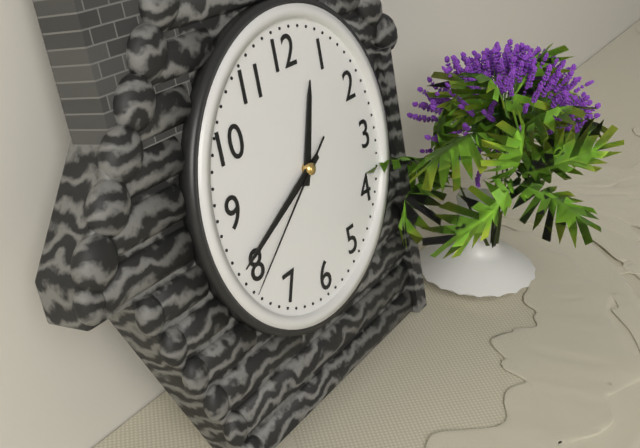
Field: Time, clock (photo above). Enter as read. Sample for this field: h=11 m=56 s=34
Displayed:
h=12 m=41 s=39
